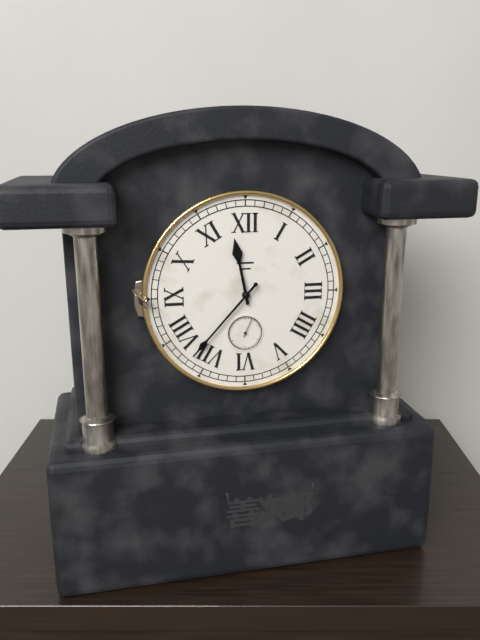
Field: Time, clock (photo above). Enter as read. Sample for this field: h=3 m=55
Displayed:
h=11 m=37
